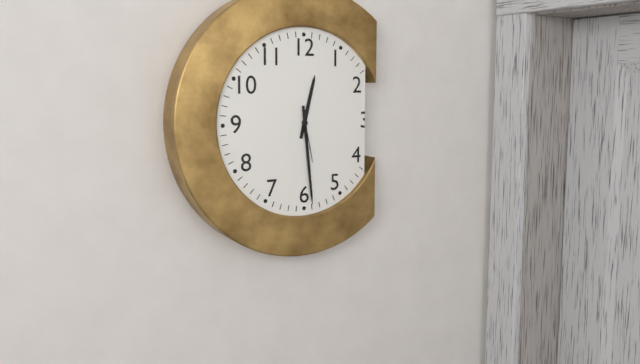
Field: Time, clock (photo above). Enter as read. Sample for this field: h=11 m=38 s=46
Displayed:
h=12 m=29 s=28
